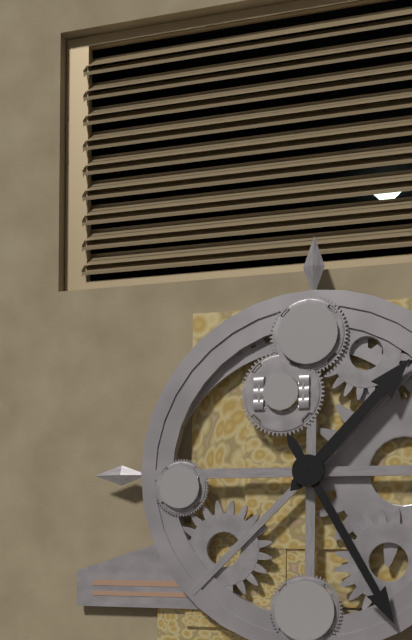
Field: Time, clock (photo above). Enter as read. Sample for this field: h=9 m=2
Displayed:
h=1 m=25
